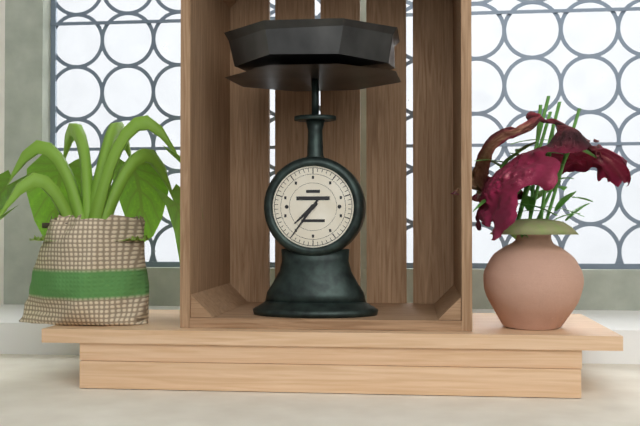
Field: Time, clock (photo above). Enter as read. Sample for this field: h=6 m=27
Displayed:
h=7 m=36
